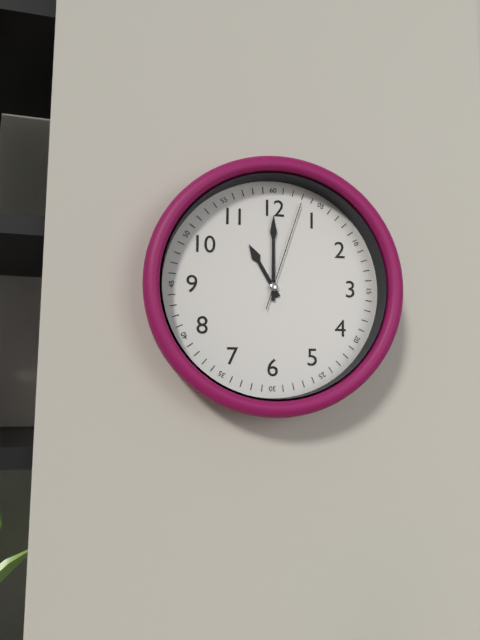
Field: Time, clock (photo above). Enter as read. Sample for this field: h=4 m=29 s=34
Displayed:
h=11 m=0 s=3
